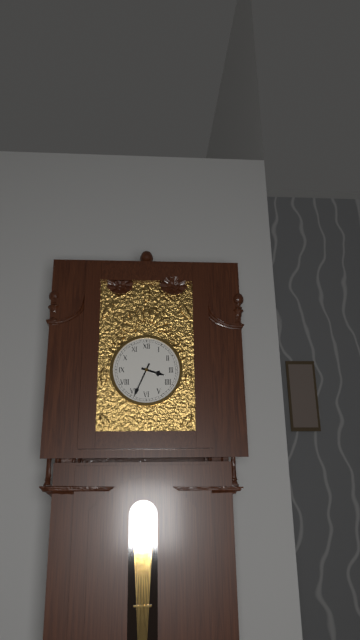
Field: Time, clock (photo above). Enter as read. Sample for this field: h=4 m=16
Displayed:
h=3 m=34
